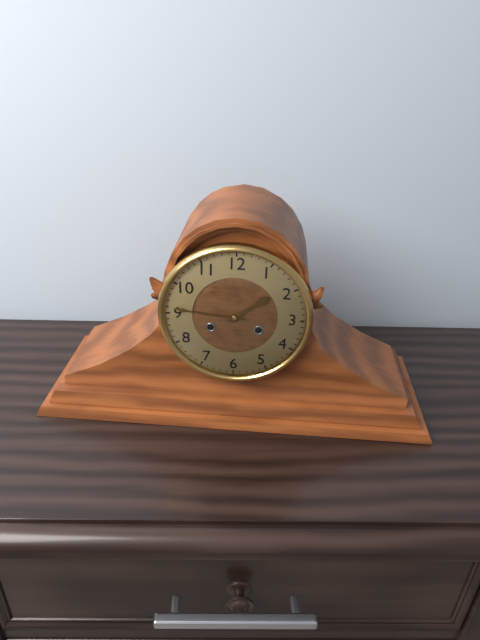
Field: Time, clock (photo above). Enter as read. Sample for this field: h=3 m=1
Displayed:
h=1 m=46
